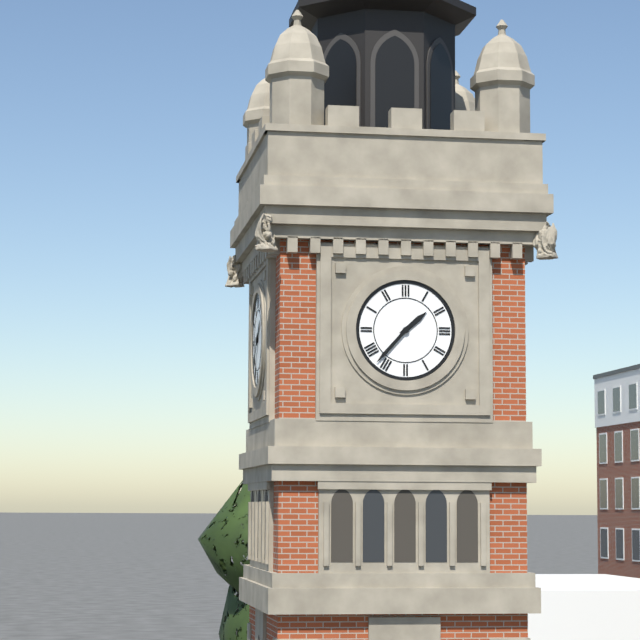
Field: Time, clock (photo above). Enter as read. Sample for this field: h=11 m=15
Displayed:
h=1 m=37
